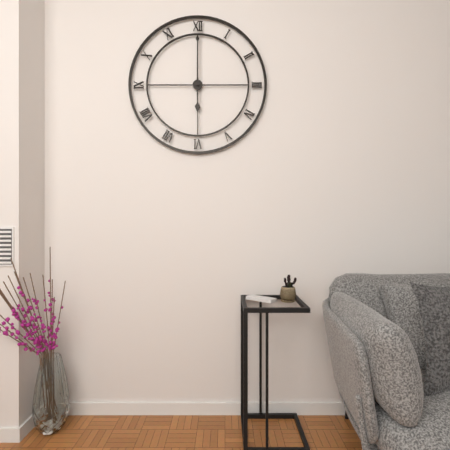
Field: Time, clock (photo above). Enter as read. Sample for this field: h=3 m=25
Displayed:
h=6 m=0
